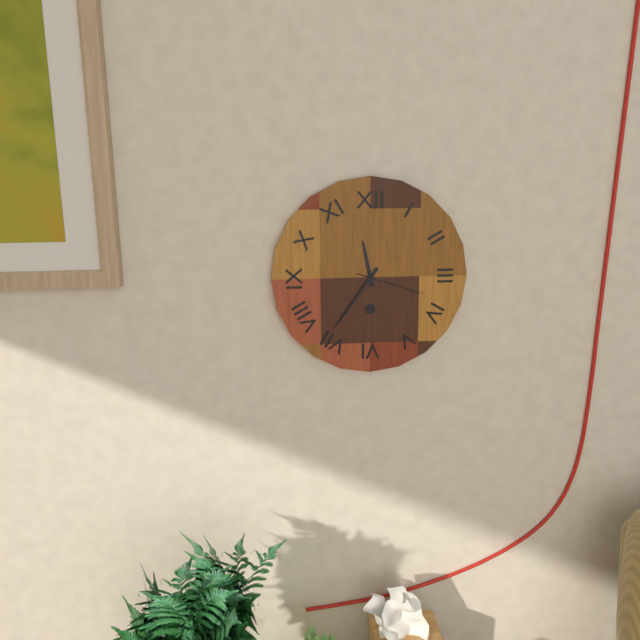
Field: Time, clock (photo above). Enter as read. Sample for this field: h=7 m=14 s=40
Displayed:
h=11 m=36 s=18
